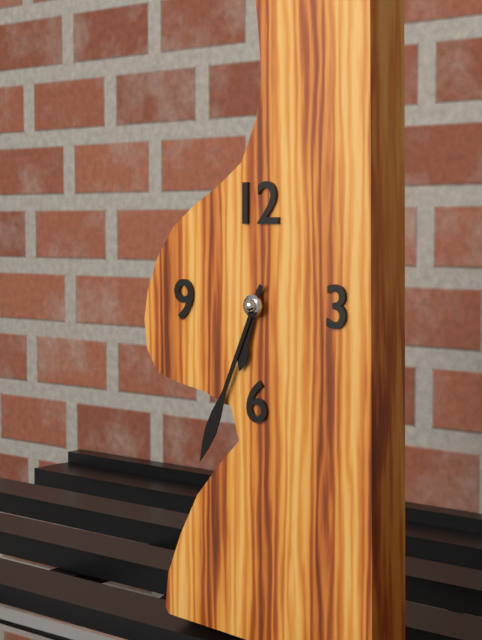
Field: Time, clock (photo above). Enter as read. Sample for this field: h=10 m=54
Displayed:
h=6 m=34
